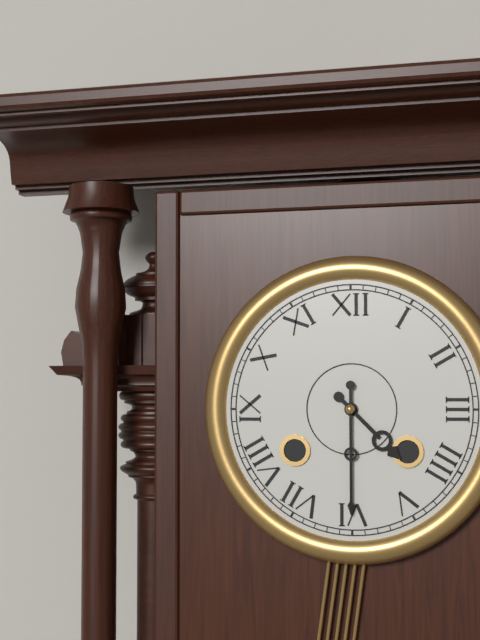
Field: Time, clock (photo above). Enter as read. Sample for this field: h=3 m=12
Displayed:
h=4 m=30
